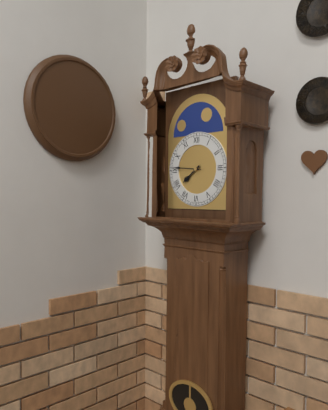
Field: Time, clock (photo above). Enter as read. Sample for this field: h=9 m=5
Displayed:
h=7 m=46
